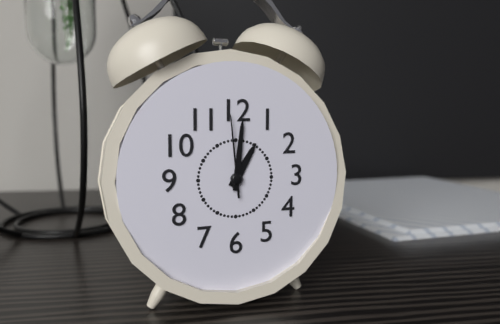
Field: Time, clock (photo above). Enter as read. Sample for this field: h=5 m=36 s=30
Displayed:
h=1 m=1 s=59
